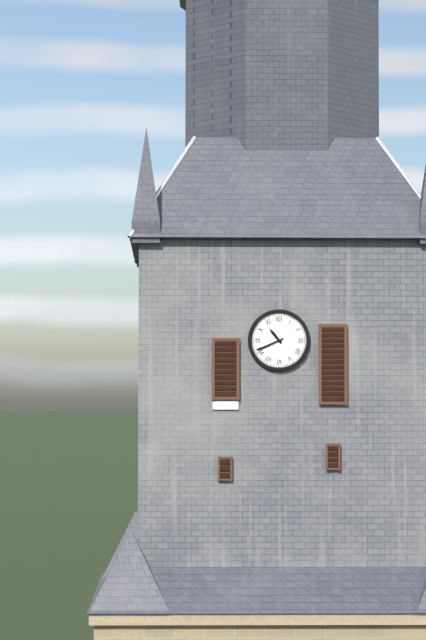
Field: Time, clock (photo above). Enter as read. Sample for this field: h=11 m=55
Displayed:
h=10 m=41
